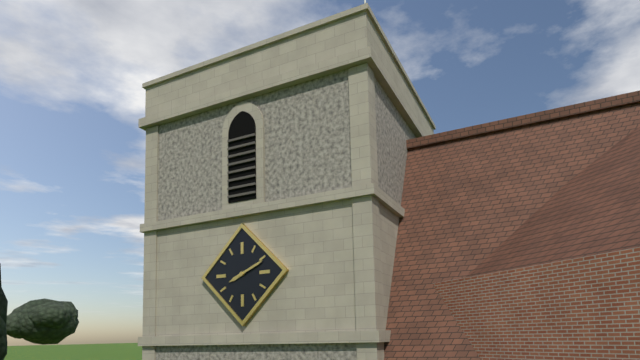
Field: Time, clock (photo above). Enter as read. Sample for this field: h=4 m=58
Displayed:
h=8 m=11
